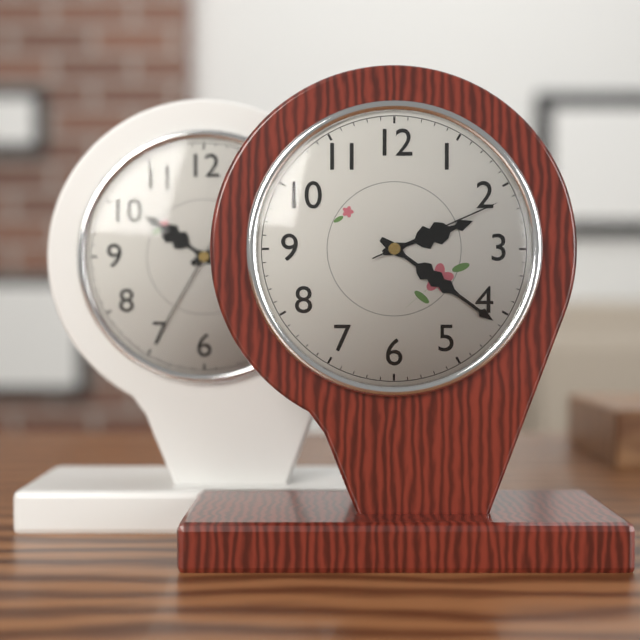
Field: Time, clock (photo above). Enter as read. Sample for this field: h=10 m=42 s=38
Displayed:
h=2 m=21 s=11
